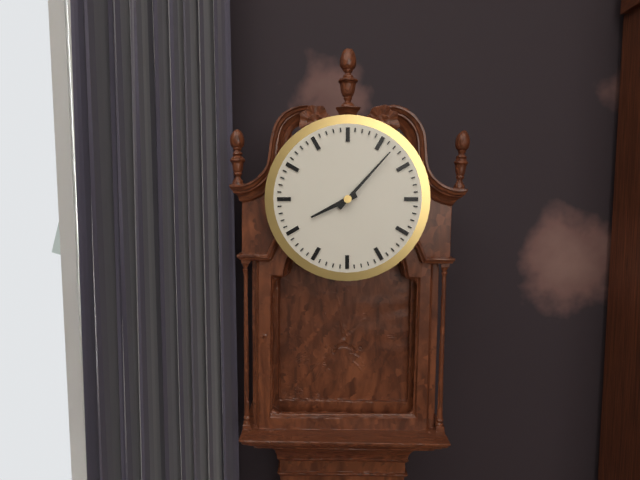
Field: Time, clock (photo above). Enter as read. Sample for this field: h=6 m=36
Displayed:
h=8 m=7
